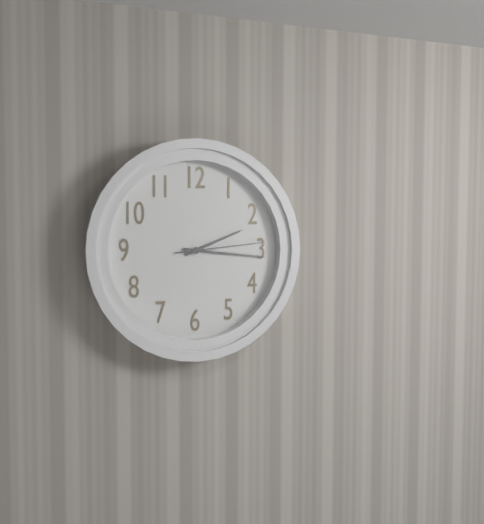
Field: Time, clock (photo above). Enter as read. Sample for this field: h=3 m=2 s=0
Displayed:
h=2 m=16 s=14
